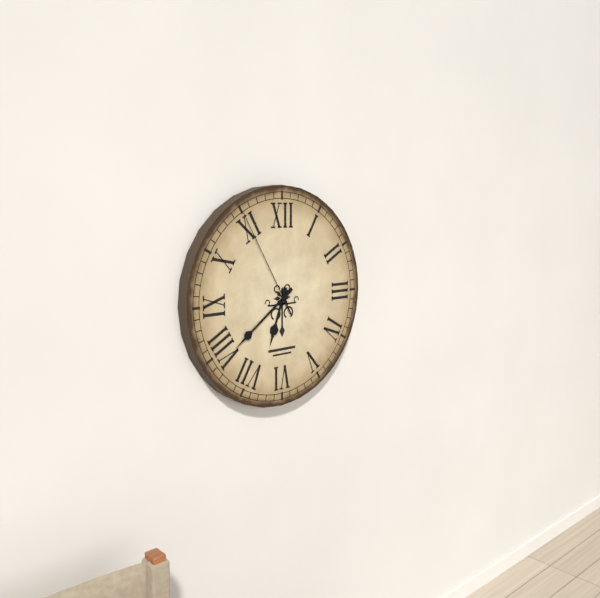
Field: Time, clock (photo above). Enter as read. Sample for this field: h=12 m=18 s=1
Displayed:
h=6 m=39 s=55
